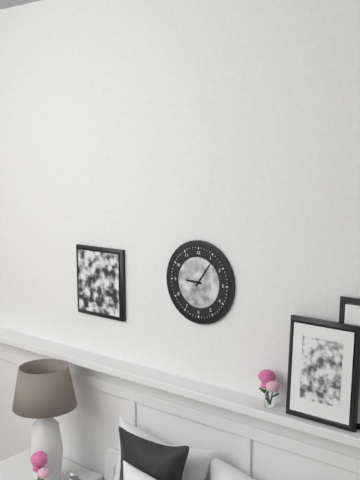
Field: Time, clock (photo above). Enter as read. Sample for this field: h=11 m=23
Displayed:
h=9 m=6
